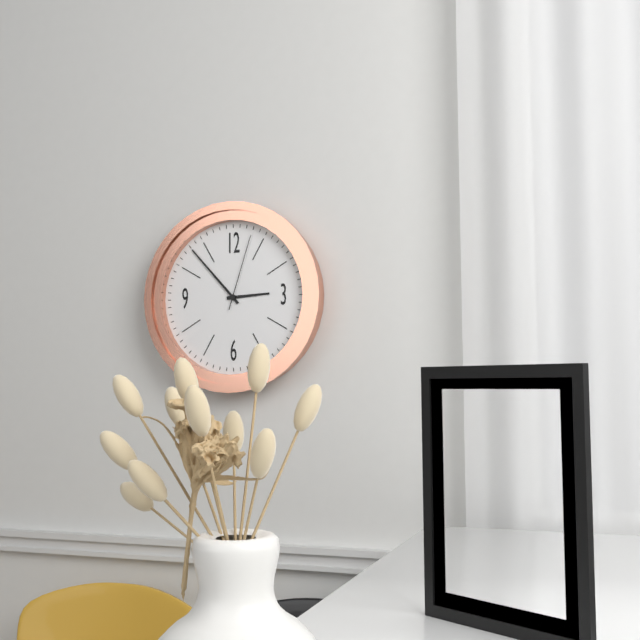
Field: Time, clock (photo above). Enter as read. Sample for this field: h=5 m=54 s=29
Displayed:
h=2 m=53 s=3
